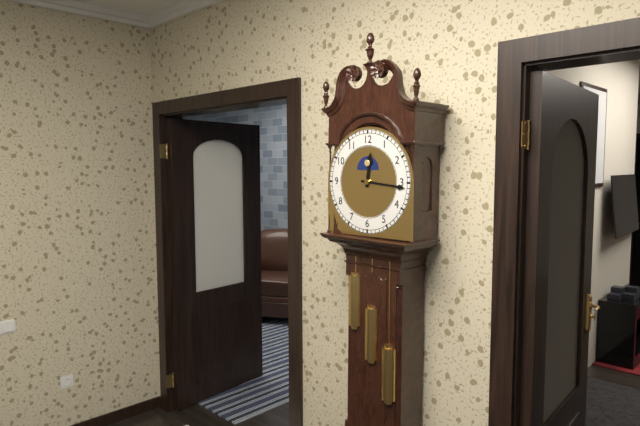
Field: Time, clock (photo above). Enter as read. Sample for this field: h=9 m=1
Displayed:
h=12 m=16
